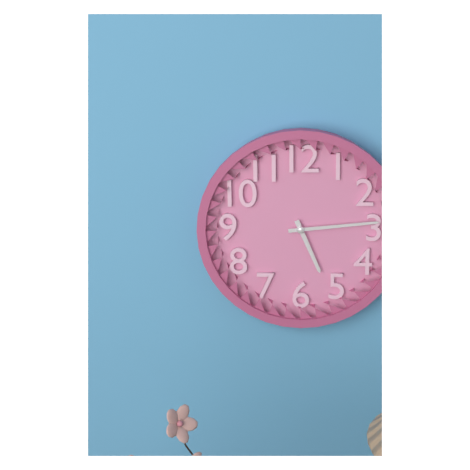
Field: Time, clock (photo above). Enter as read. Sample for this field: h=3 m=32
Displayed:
h=5 m=14
